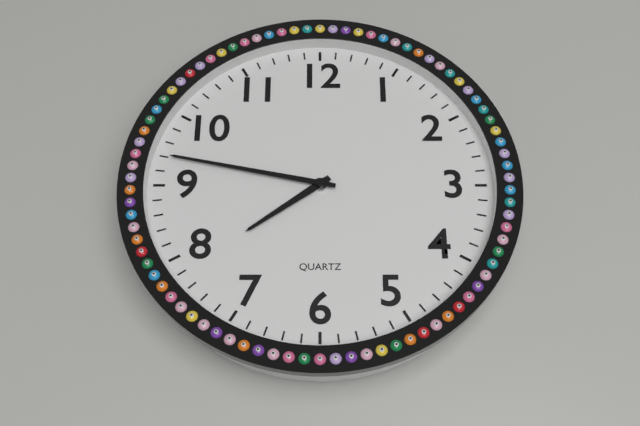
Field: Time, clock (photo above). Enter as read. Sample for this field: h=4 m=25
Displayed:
h=7 m=47
